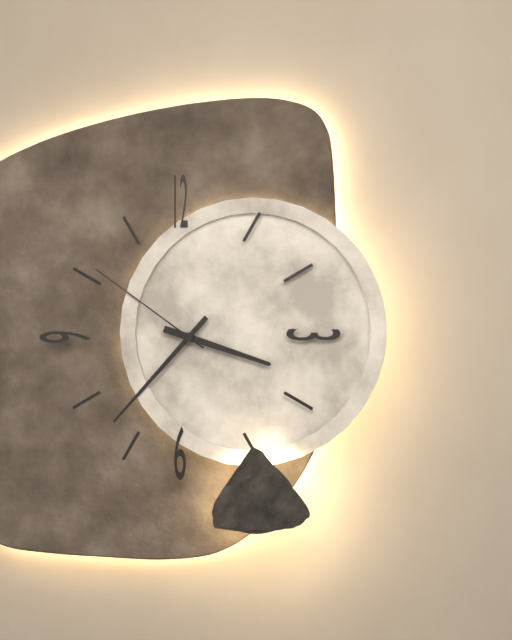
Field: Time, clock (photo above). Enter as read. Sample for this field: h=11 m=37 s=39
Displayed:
h=3 m=37 s=51
